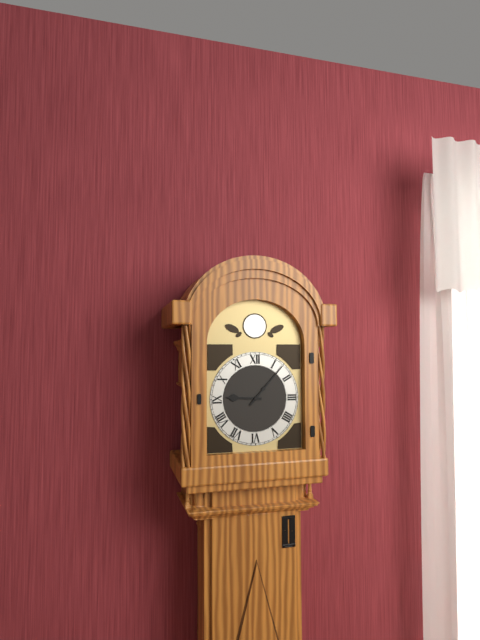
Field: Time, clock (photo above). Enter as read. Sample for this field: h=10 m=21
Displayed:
h=9 m=7
